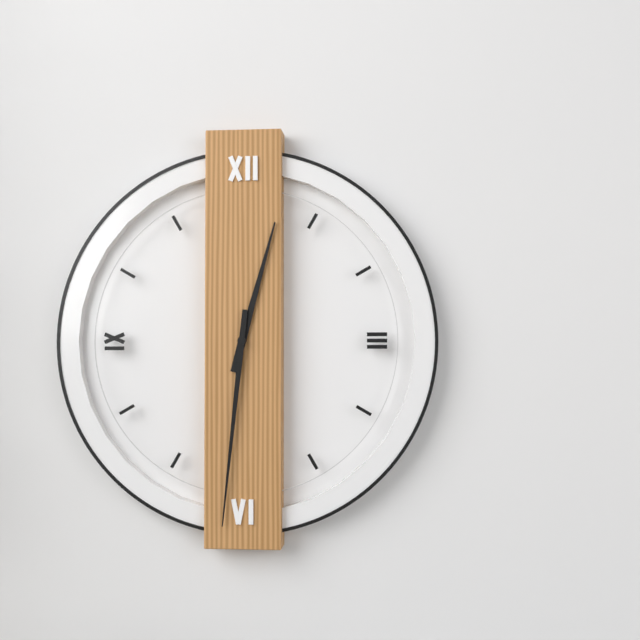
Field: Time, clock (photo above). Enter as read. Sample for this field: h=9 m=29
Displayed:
h=12 m=31
